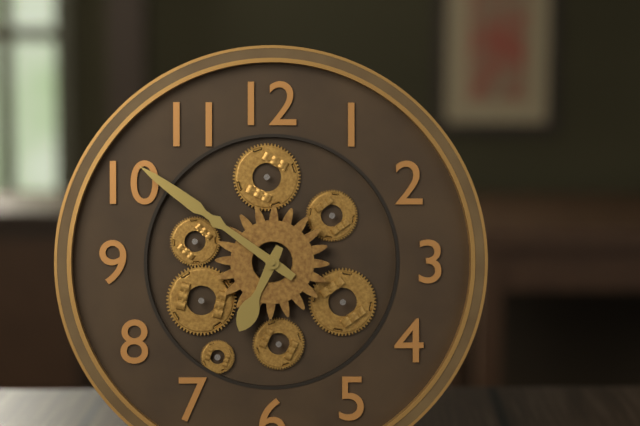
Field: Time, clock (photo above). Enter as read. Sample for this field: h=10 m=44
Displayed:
h=6 m=51
